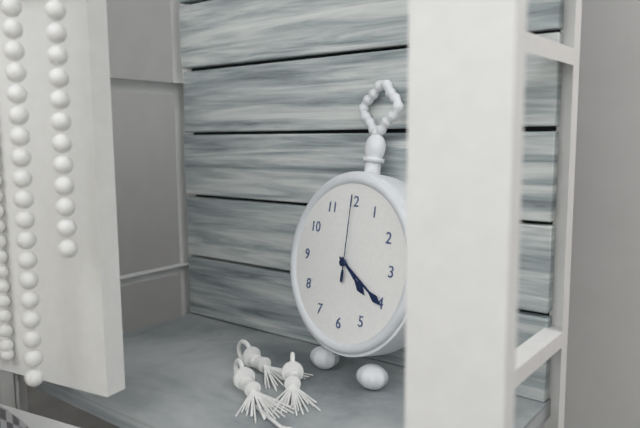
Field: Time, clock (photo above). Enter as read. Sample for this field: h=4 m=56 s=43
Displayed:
h=4 m=20 s=0
